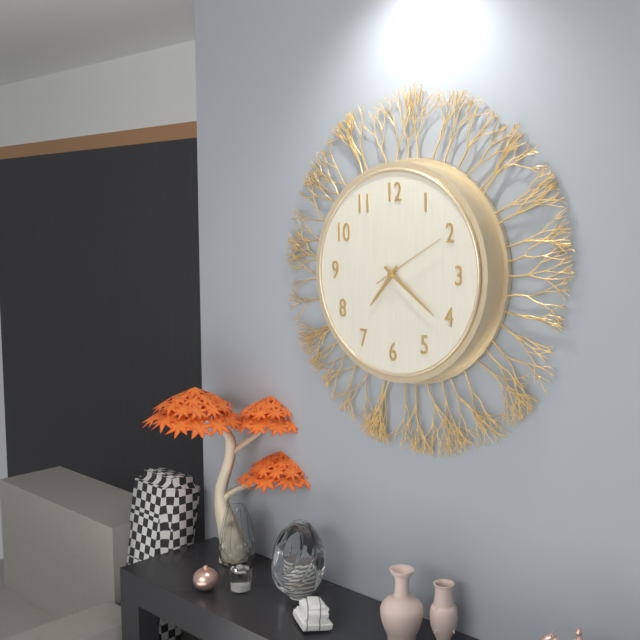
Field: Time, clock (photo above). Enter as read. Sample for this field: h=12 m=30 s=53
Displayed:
h=7 m=21 s=10
